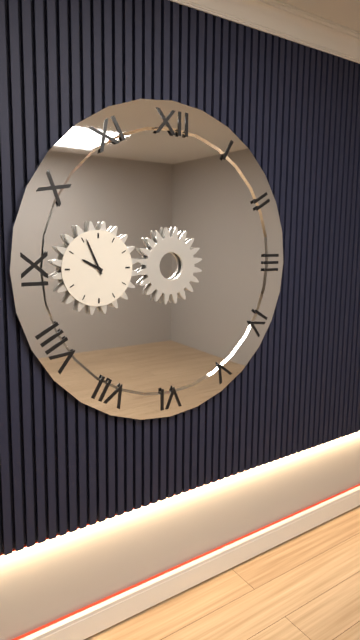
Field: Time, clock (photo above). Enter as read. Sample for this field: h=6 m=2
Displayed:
h=9 m=56
